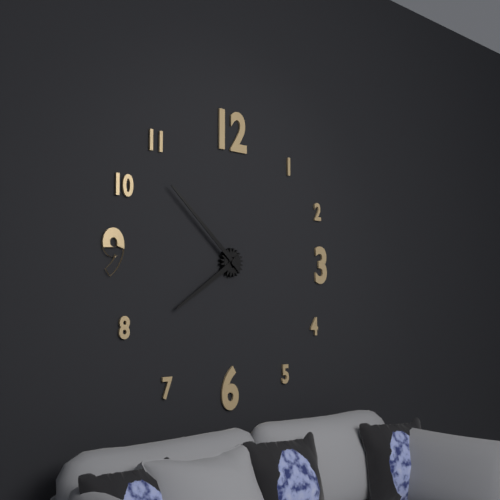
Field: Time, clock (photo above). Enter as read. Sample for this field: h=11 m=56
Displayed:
h=7 m=52
